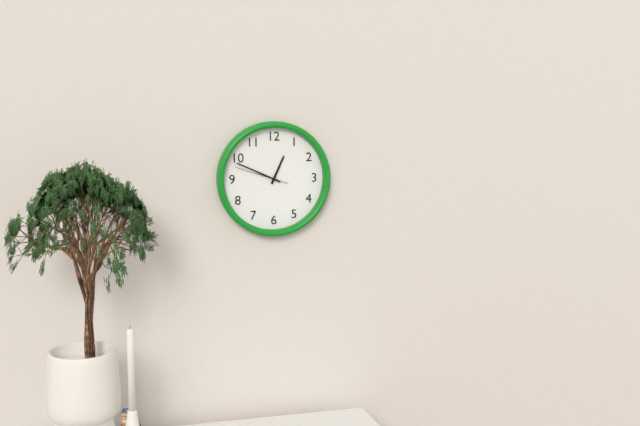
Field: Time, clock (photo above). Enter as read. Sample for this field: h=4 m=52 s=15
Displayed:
h=12 m=49 s=48
